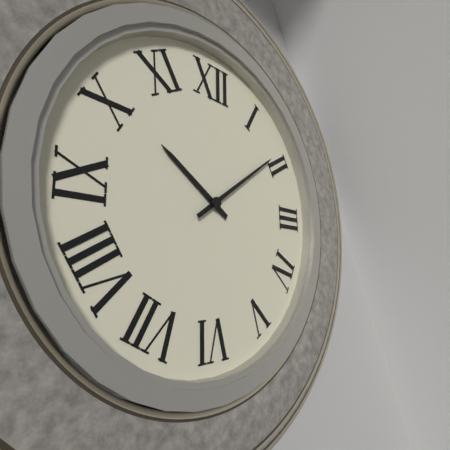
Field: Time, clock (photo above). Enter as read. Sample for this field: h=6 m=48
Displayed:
h=10 m=9
